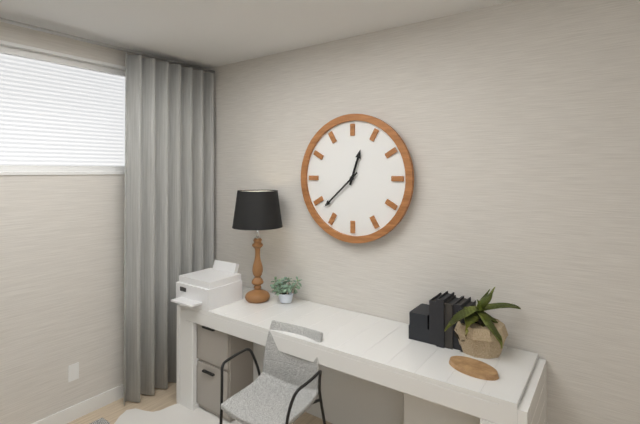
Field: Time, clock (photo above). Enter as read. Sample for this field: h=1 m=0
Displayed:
h=12 m=38
